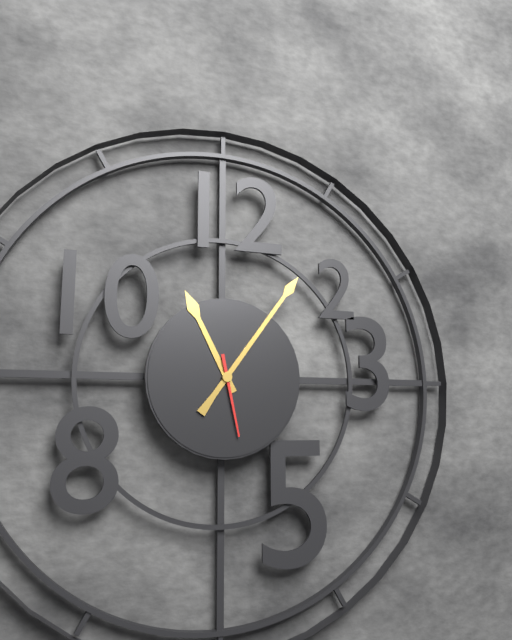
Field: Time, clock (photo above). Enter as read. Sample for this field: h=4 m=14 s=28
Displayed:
h=11 m=6 s=28
